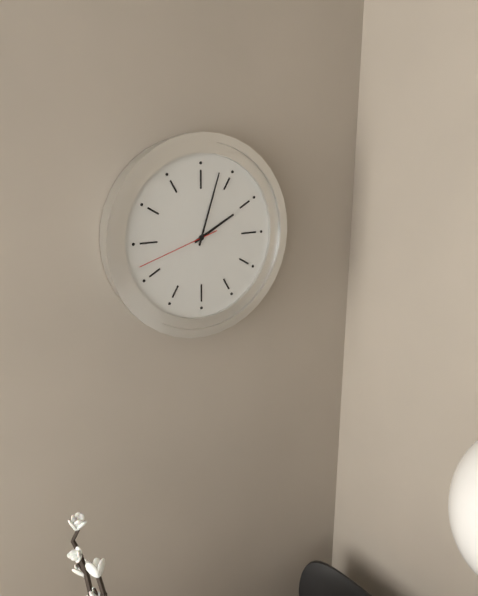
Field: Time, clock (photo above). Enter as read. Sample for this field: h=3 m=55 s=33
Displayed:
h=2 m=3 s=42
